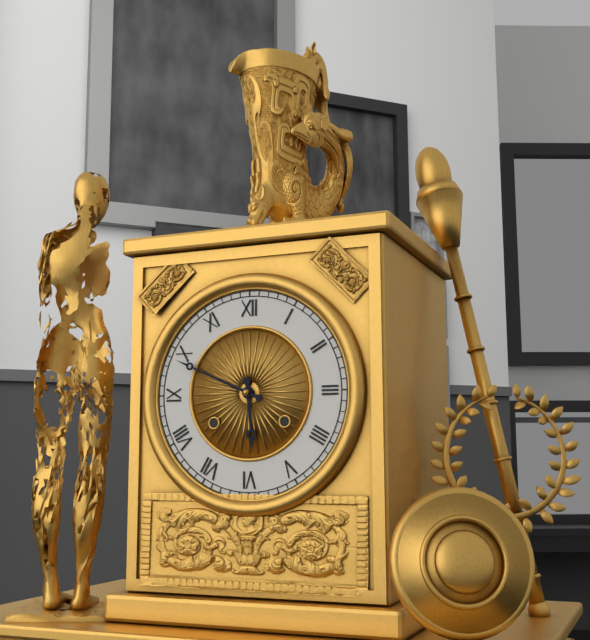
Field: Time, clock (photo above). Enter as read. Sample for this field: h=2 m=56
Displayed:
h=5 m=49
